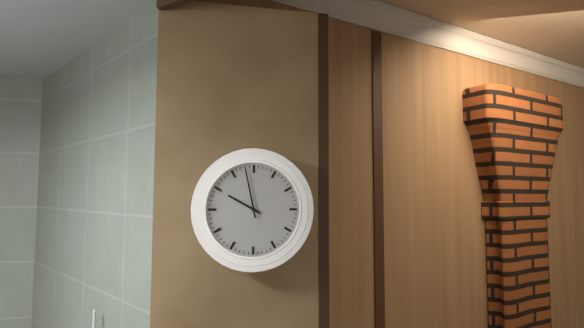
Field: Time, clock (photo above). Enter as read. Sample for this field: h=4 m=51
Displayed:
h=9 m=58
